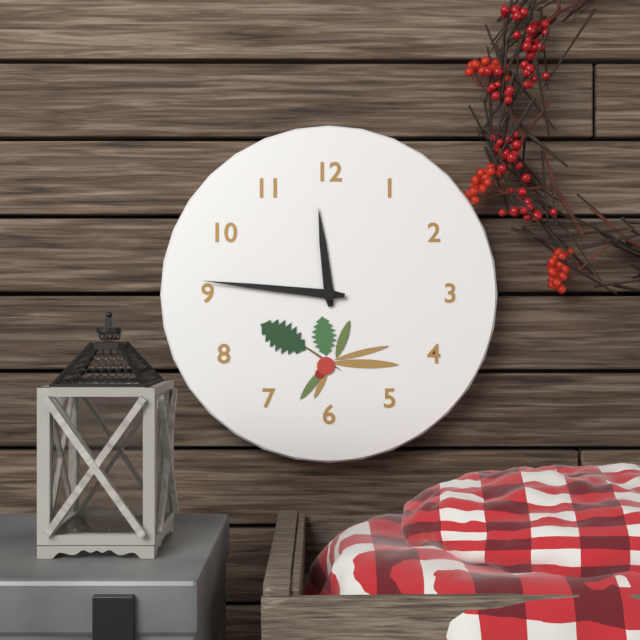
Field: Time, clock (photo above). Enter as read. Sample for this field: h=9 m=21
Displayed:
h=11 m=46
